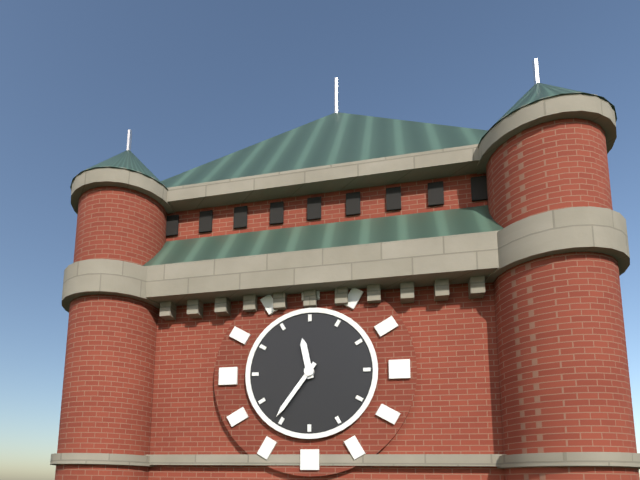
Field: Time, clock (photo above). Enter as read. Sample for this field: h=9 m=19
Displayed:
h=11 m=36
